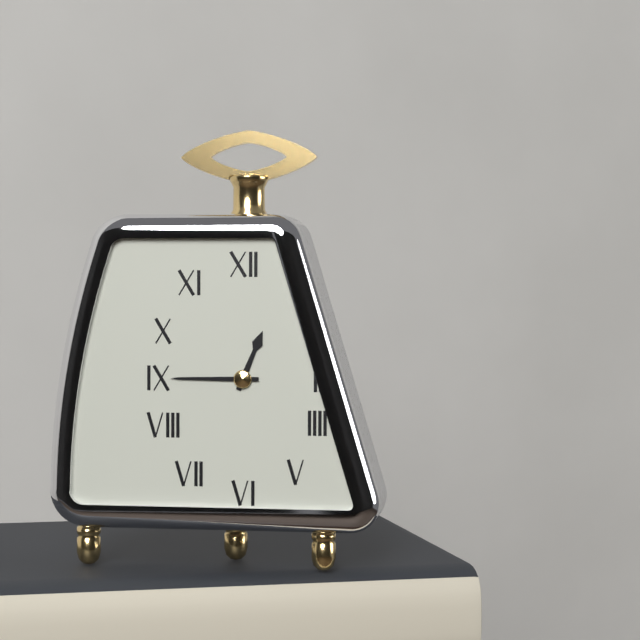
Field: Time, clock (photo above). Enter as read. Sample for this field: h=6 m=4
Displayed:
h=12 m=45
